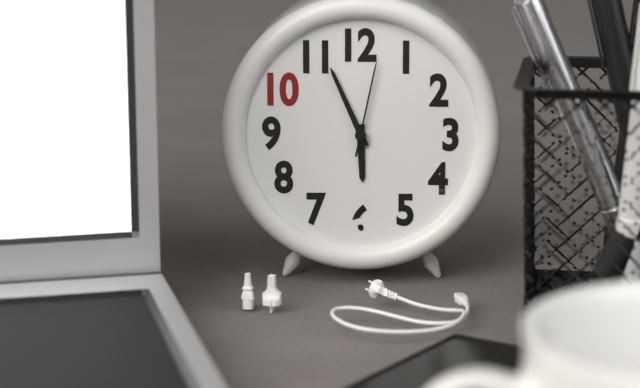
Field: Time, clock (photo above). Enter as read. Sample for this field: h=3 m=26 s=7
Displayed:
h=5 m=56 s=2
